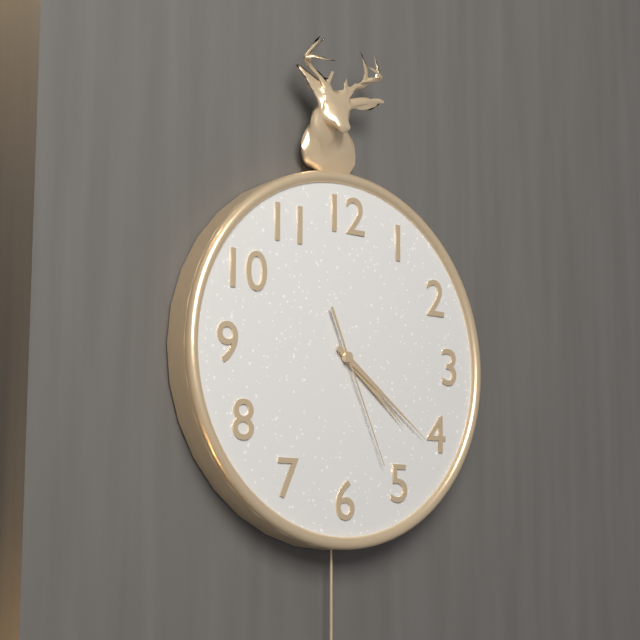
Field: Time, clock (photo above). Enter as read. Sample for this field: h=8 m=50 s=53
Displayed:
h=4 m=21 s=26
